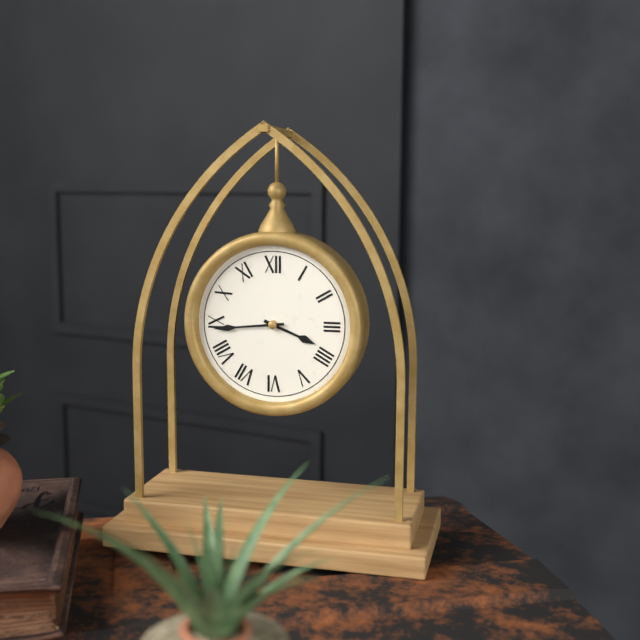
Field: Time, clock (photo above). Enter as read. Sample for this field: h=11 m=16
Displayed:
h=3 m=44
